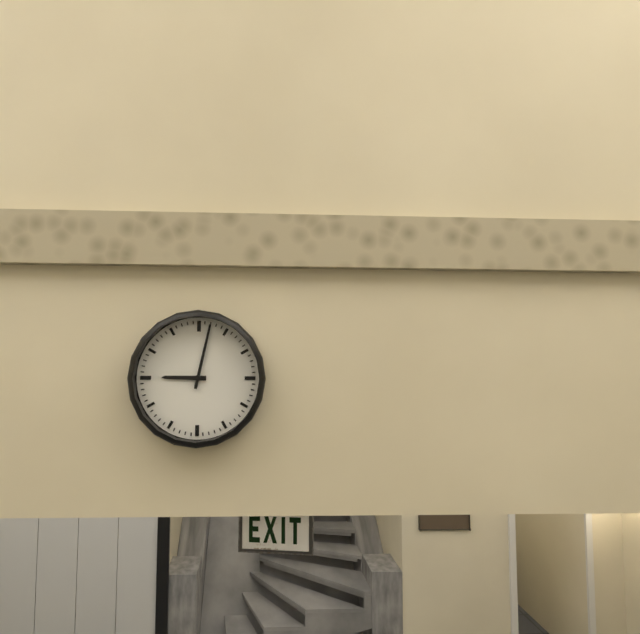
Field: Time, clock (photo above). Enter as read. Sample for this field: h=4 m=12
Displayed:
h=9 m=2
